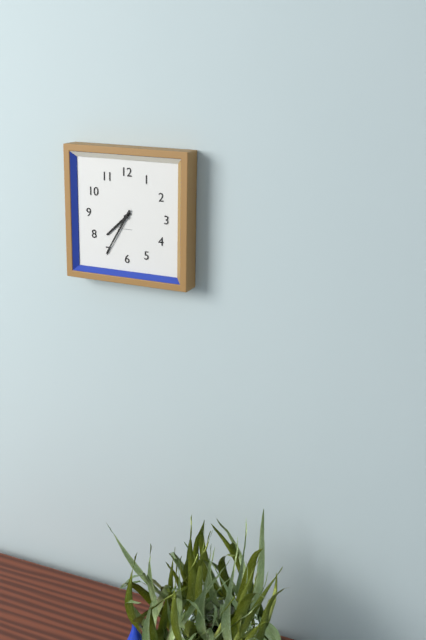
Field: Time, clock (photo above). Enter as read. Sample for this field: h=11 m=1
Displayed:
h=7 m=35
